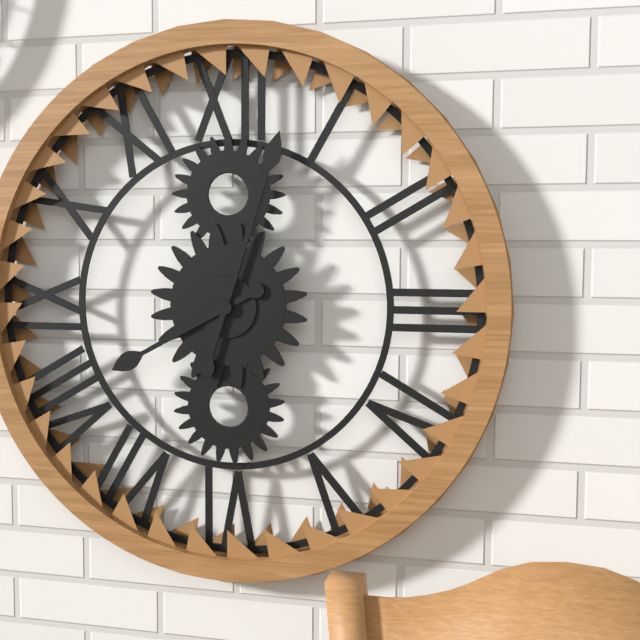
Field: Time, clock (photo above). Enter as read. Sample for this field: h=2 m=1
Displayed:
h=8 m=3
